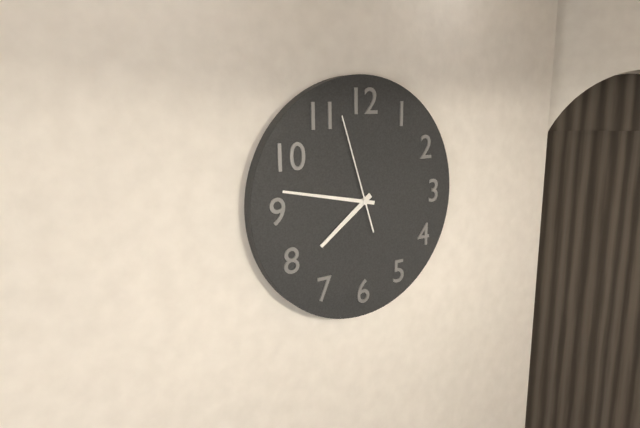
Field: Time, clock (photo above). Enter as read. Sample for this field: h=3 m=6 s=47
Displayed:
h=7 m=47 s=57
